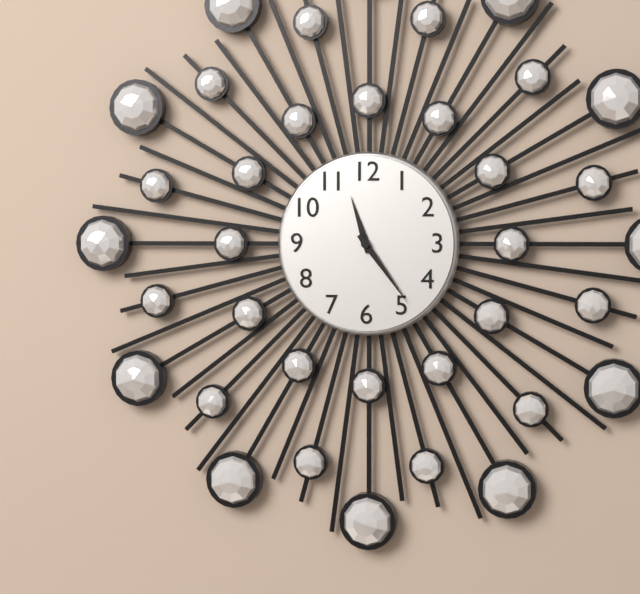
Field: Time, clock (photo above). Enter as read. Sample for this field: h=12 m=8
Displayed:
h=11 m=24
